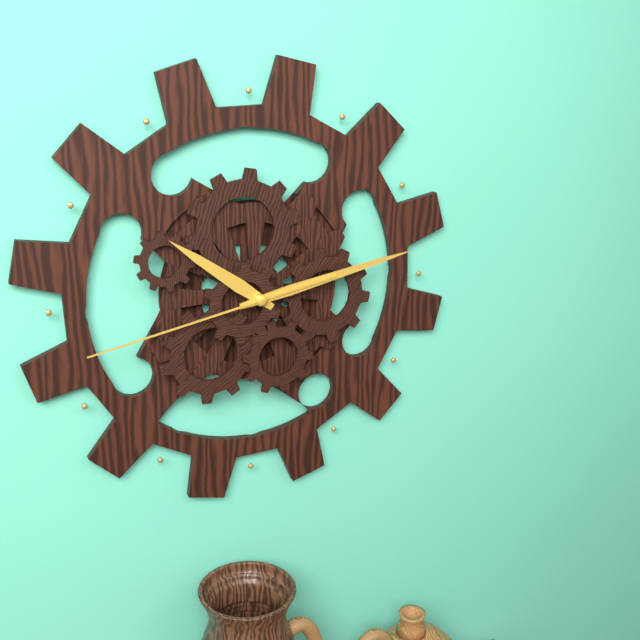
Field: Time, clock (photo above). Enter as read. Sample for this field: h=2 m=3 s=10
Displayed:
h=10 m=13 s=43
